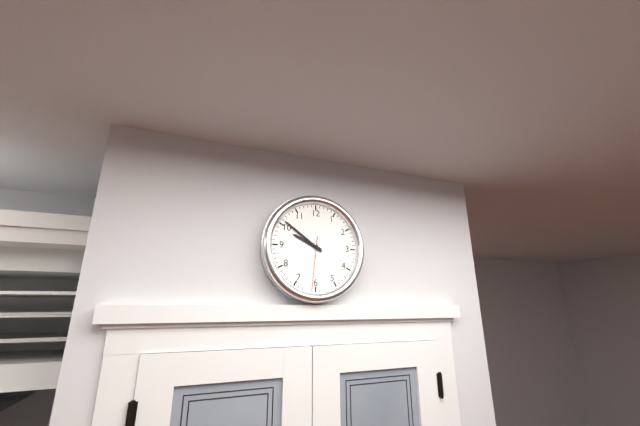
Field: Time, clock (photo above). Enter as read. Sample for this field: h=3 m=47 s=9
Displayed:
h=9 m=51 s=31
